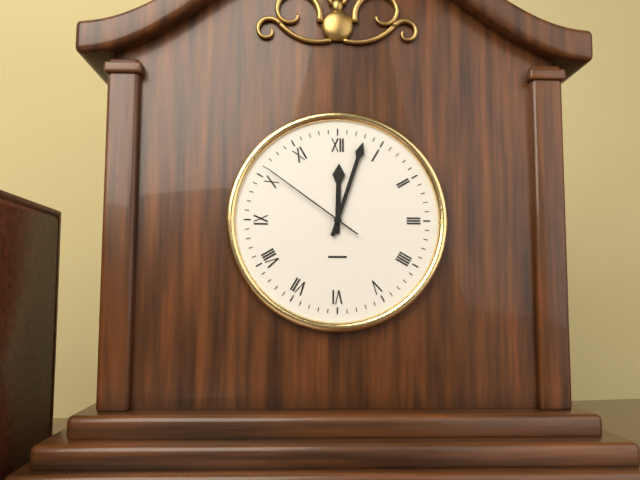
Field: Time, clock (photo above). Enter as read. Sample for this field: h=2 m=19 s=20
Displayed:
h=12 m=3 s=51
